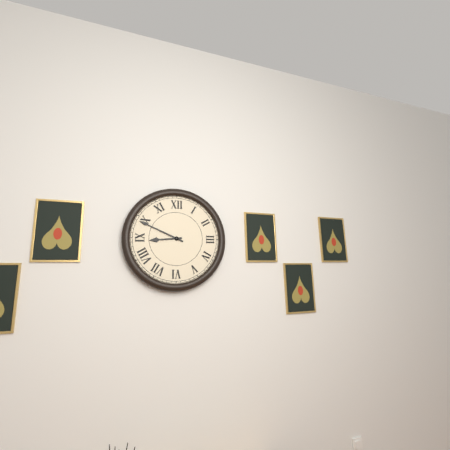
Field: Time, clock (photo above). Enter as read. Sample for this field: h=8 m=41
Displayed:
h=8 m=49
